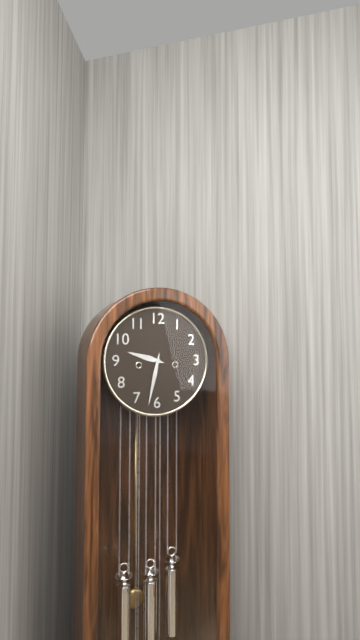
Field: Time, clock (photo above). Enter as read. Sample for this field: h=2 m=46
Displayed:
h=9 m=32
